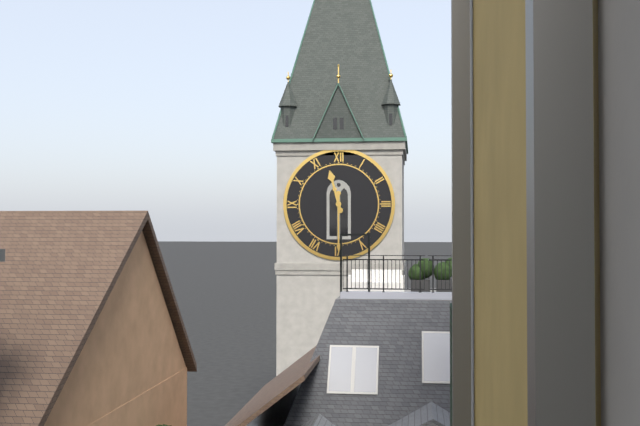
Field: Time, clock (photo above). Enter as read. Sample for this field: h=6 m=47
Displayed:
h=11 m=30
